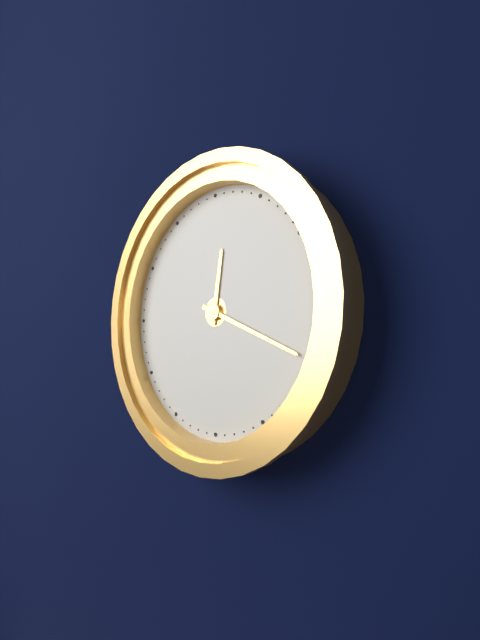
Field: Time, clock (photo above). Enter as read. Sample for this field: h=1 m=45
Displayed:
h=12 m=19
